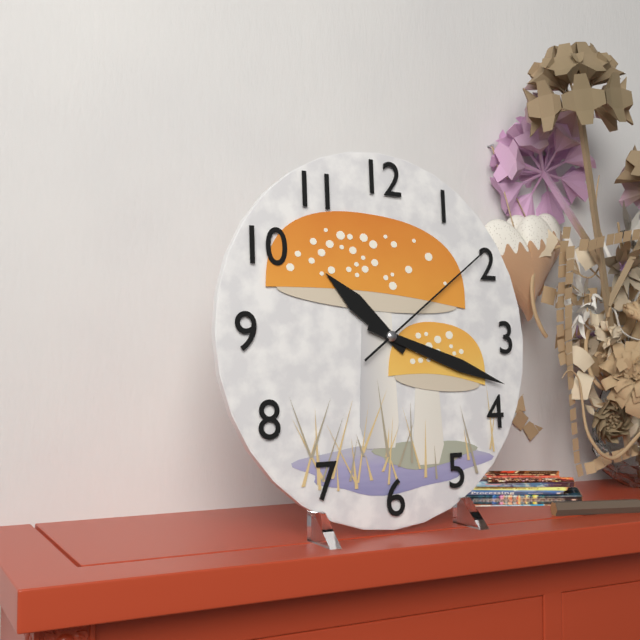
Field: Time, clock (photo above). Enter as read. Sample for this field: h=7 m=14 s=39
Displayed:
h=10 m=18 s=9
